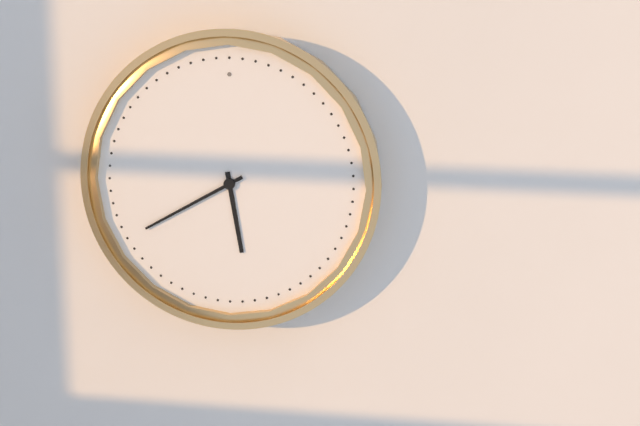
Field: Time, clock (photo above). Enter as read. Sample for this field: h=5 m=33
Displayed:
h=5 m=40
